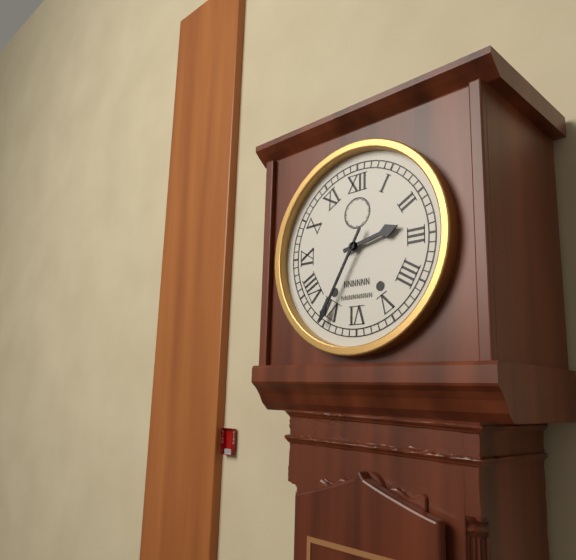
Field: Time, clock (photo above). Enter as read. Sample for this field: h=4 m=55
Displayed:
h=2 m=35
